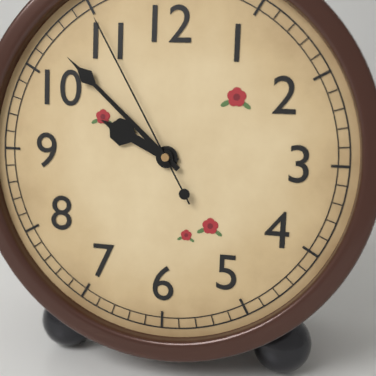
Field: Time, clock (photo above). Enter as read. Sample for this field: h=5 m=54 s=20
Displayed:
h=9 m=52 s=55
